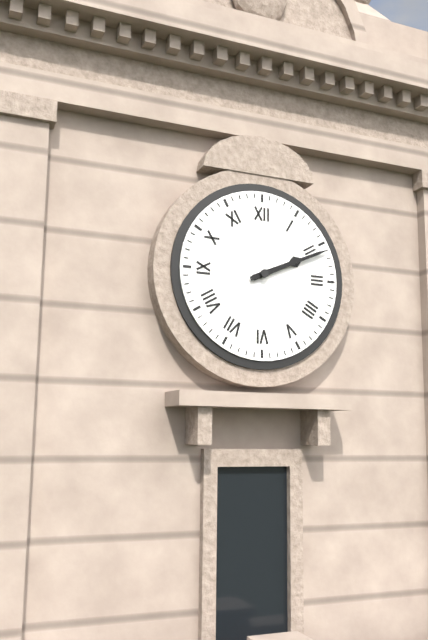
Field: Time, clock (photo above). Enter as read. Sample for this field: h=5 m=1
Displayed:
h=2 m=11
